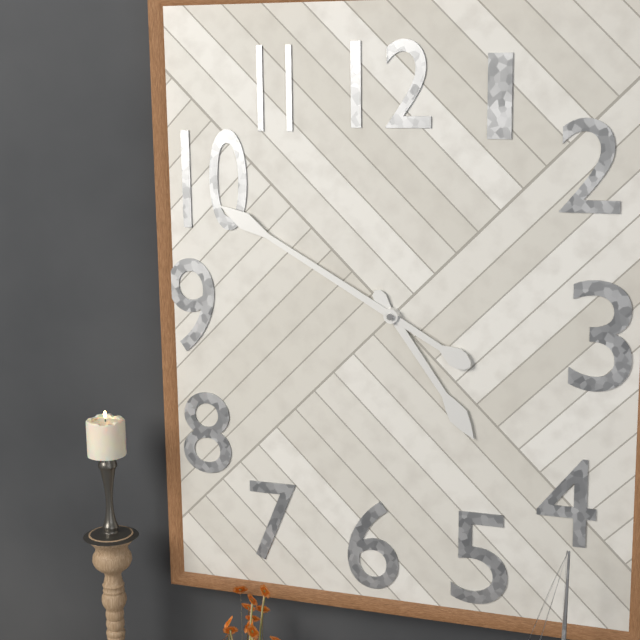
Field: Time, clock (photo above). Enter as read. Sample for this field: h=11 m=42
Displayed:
h=4 m=50
